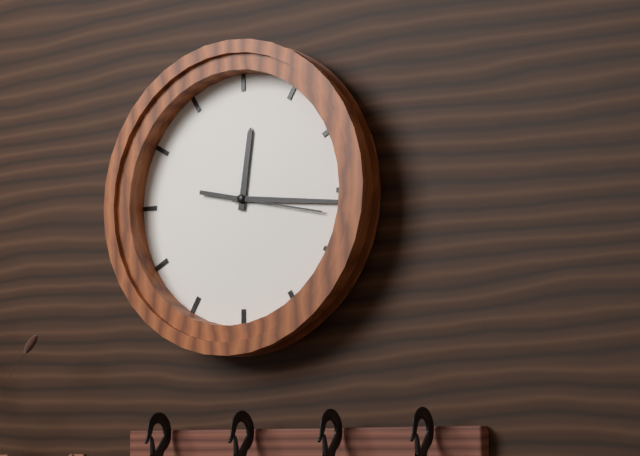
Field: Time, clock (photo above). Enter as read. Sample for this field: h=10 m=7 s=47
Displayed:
h=12 m=16 s=17
